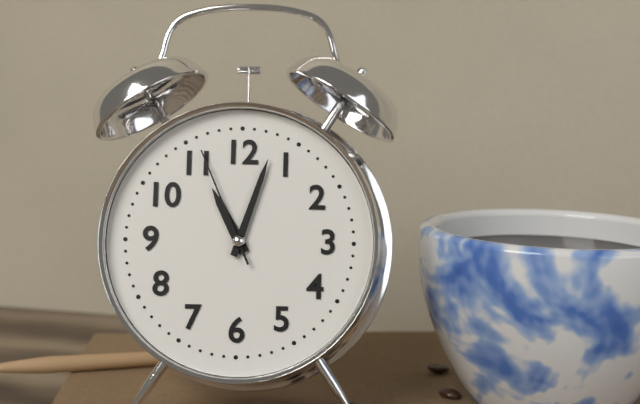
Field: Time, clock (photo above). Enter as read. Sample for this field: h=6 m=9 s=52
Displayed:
h=11 m=3 s=56
